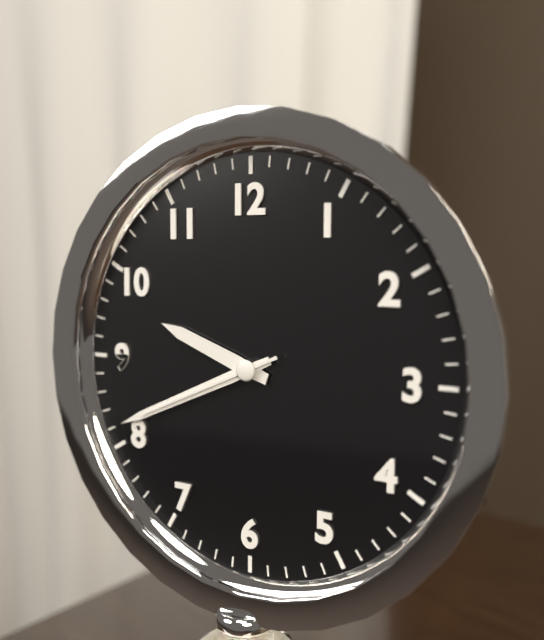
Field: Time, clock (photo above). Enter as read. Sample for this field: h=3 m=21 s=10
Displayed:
h=9 m=41 s=41
